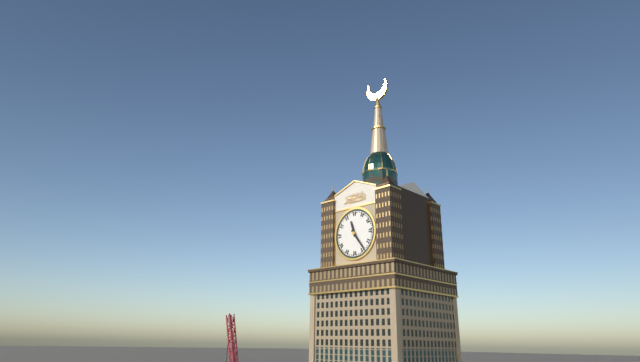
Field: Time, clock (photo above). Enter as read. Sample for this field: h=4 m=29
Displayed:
h=11 m=24
